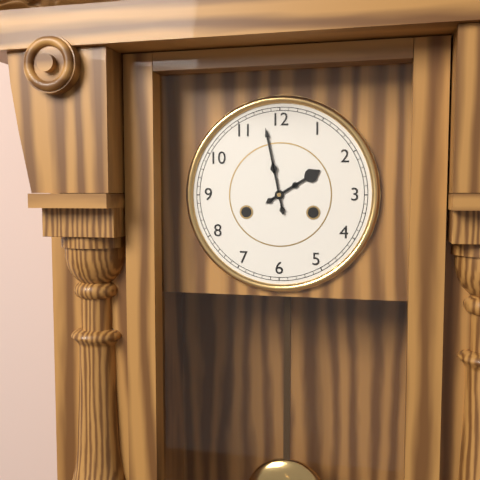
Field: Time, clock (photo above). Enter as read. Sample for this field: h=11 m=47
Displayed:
h=1 m=58
